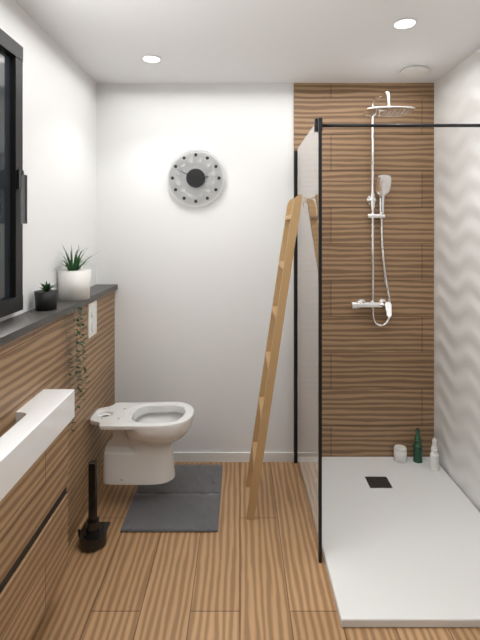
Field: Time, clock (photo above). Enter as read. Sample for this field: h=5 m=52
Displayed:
h=2 m=49
